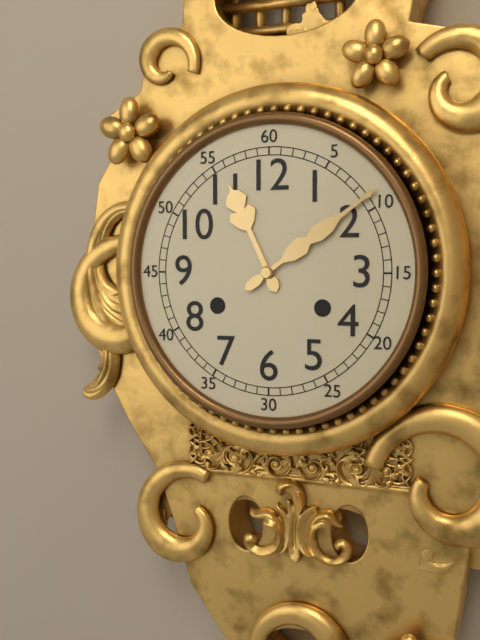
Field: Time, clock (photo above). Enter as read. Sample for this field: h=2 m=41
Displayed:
h=11 m=9
